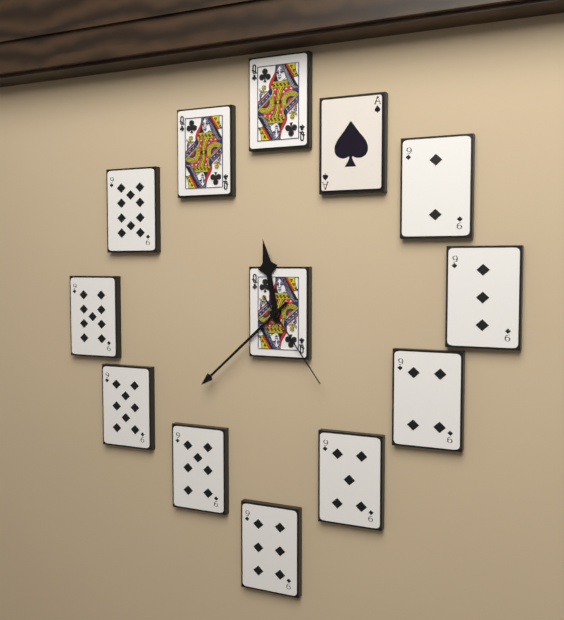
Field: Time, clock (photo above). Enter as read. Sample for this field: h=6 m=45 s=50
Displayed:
h=11 m=38 s=24
